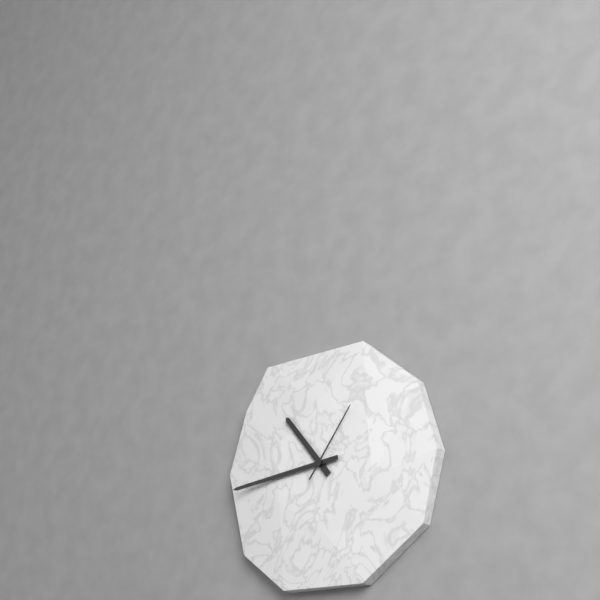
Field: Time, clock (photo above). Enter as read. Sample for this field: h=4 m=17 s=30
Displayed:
h=10 m=44 s=6
